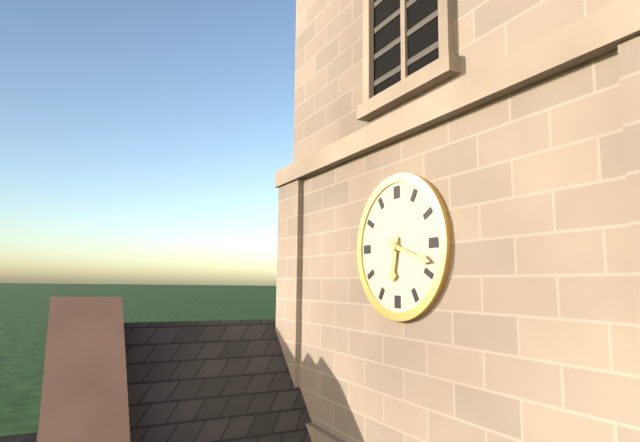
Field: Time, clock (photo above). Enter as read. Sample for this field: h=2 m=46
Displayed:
h=6 m=18
